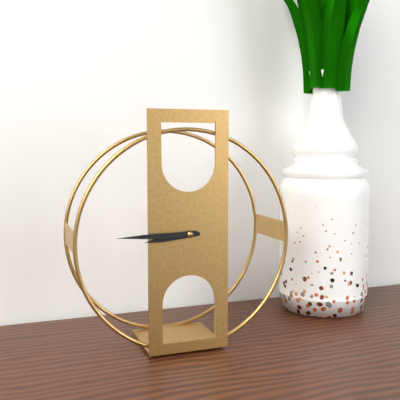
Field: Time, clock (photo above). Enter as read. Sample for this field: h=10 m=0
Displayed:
h=8 m=45
